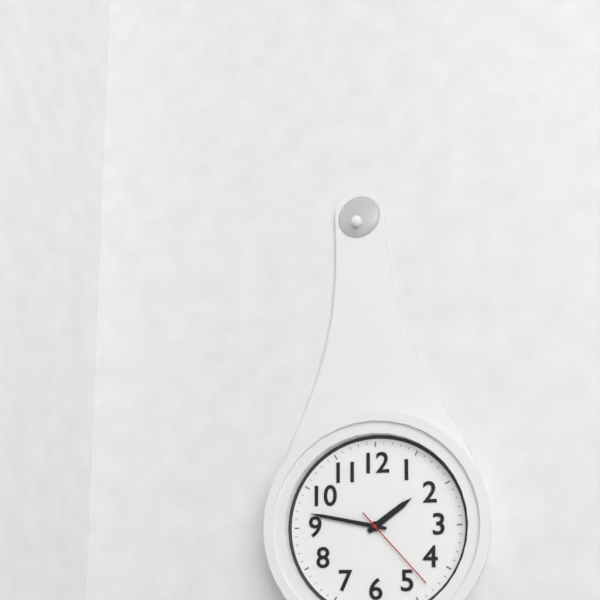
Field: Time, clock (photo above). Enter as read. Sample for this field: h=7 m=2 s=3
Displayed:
h=1 m=47 s=23
